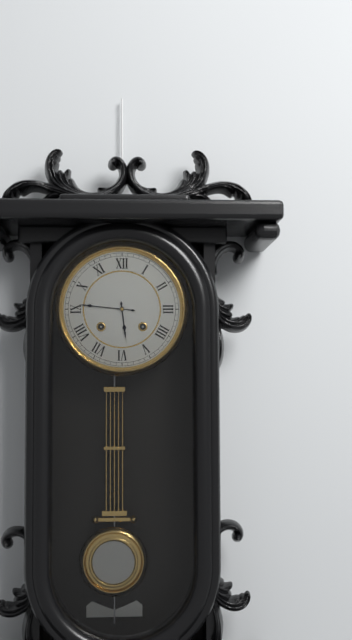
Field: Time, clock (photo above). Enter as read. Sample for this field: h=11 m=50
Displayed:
h=5 m=46
